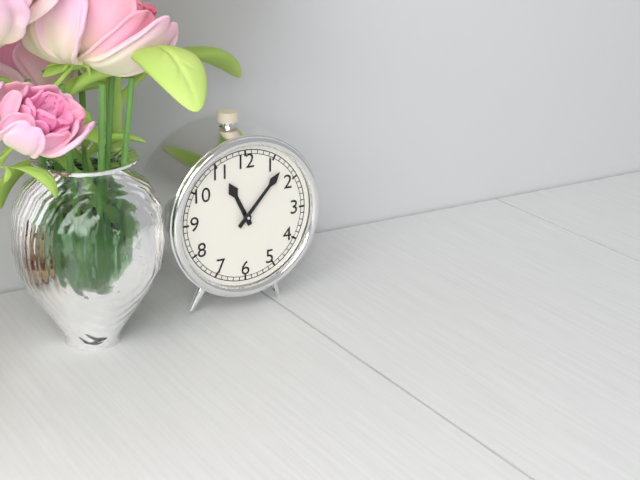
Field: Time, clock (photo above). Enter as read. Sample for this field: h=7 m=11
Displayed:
h=11 m=7
